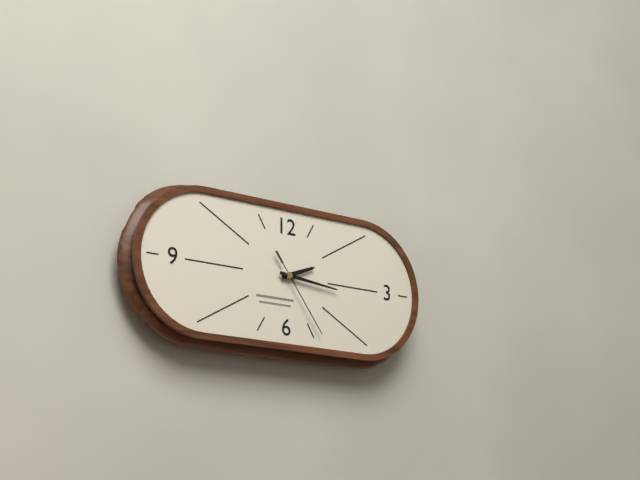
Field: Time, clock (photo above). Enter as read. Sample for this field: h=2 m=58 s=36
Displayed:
h=2 m=16 s=24
